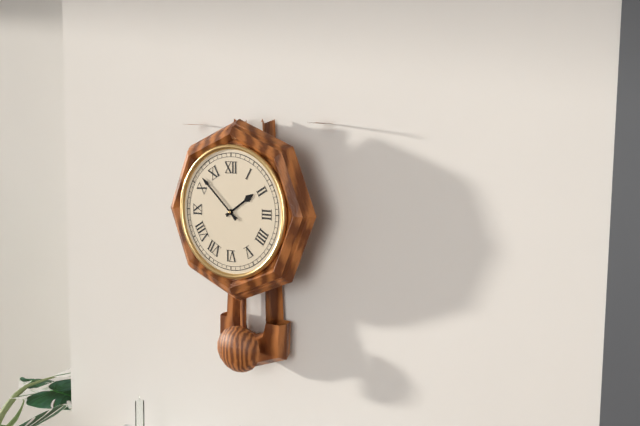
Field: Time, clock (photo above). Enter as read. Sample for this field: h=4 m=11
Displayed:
h=1 m=52
